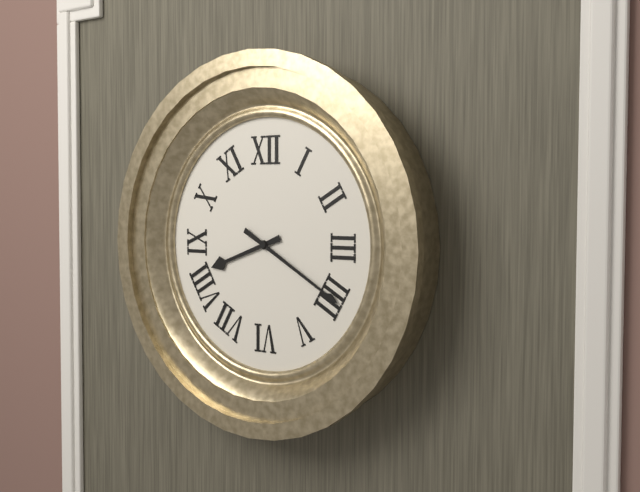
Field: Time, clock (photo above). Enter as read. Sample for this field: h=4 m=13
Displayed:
h=8 m=20
